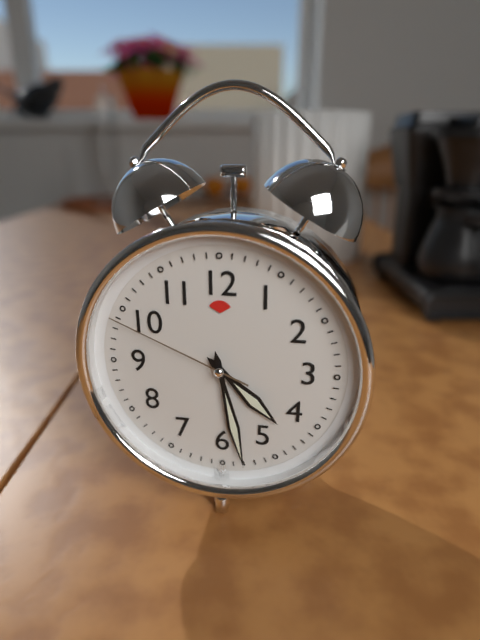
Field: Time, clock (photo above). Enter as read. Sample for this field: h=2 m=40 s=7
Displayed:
h=4 m=28 s=49
